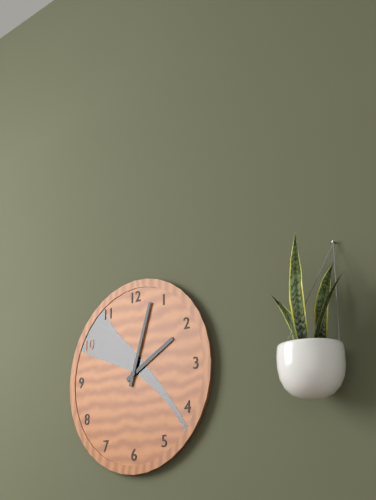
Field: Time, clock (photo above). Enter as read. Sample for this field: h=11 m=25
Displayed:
h=2 m=3
